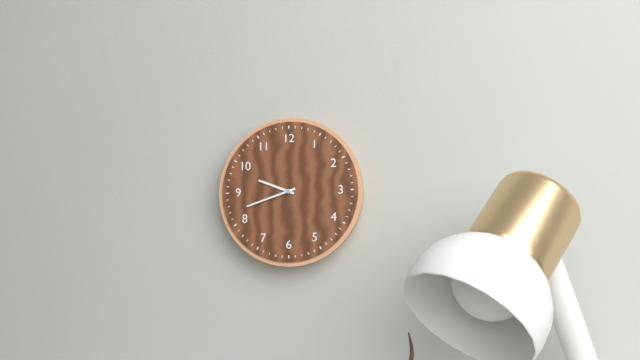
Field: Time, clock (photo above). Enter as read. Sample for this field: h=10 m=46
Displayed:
h=9 m=42
